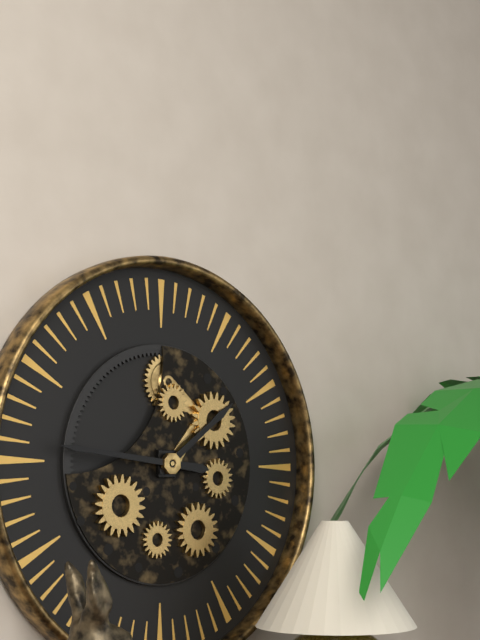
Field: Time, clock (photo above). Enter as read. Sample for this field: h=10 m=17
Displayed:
h=1 m=46
